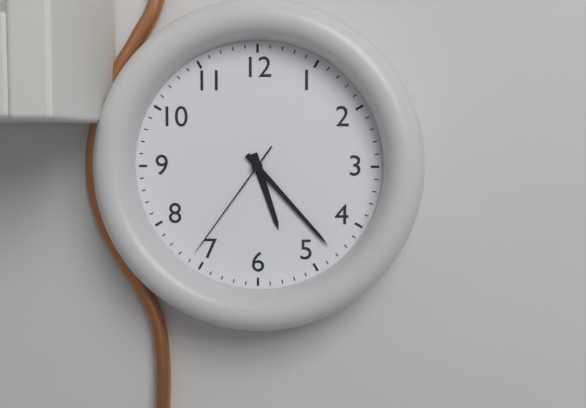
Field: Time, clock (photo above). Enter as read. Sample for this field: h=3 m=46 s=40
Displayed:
h=5 m=23 s=36
